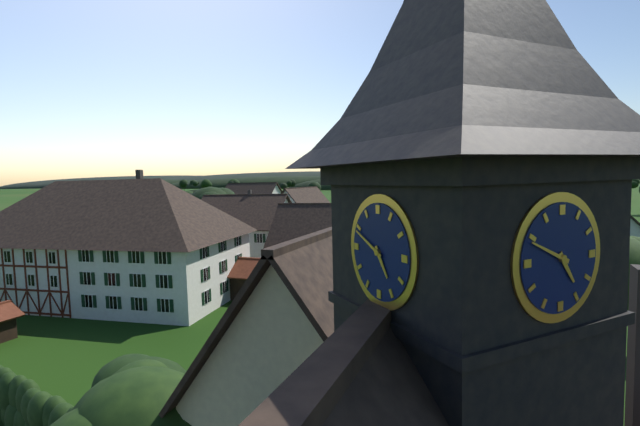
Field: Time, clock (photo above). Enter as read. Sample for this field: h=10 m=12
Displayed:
h=4 m=49
